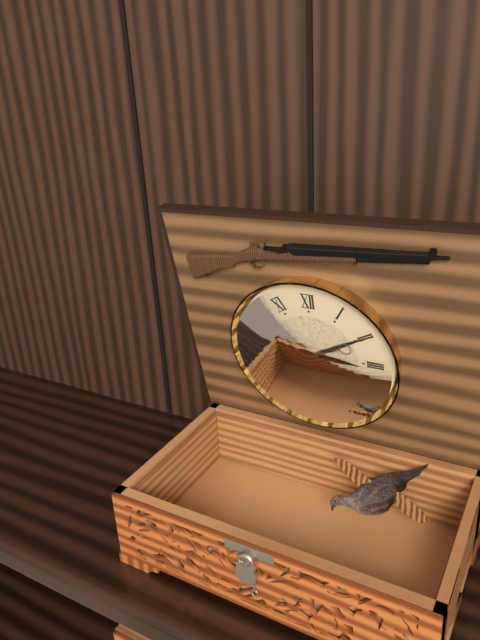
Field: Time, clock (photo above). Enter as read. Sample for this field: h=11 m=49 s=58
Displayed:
h=3 m=10 s=41
